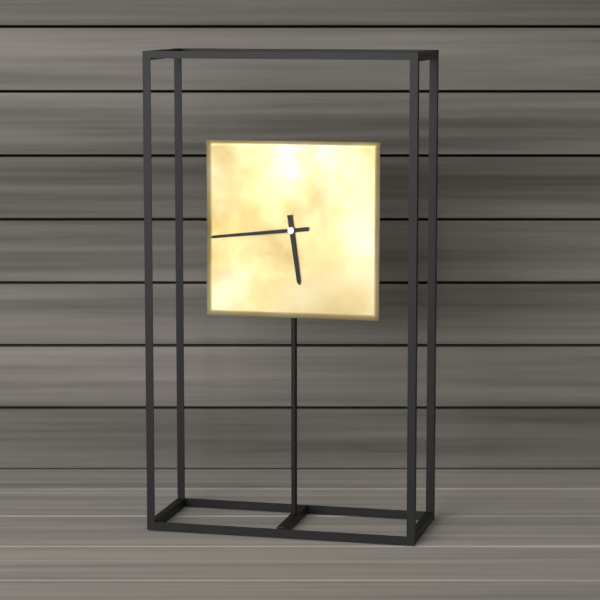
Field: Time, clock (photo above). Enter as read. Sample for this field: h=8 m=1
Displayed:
h=5 m=44
